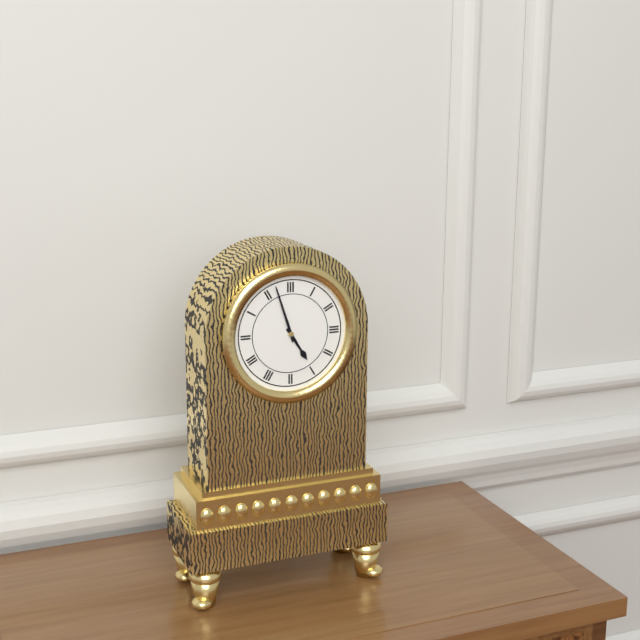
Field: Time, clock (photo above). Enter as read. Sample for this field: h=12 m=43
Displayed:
h=4 m=57
